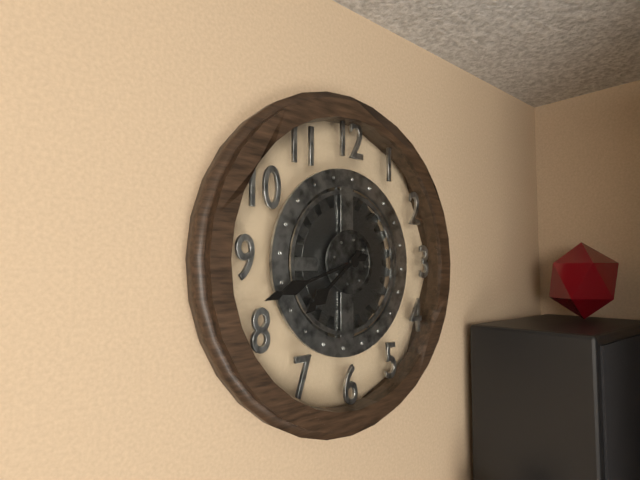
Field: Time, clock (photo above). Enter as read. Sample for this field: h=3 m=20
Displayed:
h=7 m=42
